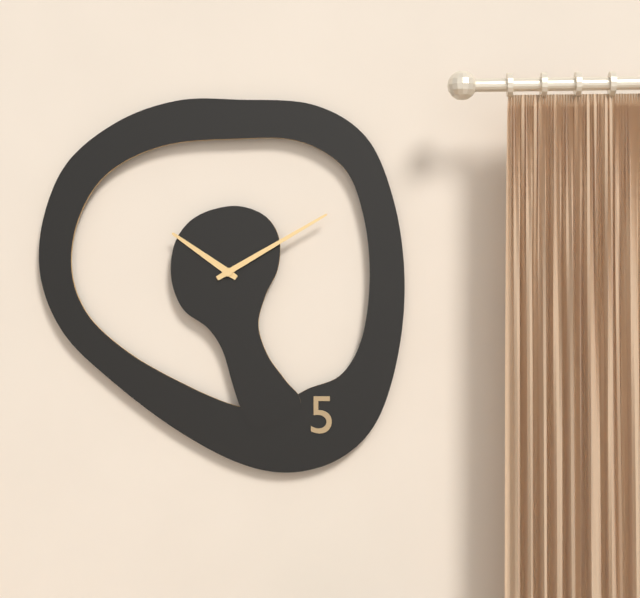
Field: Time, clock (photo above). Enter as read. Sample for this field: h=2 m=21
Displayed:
h=10 m=10
